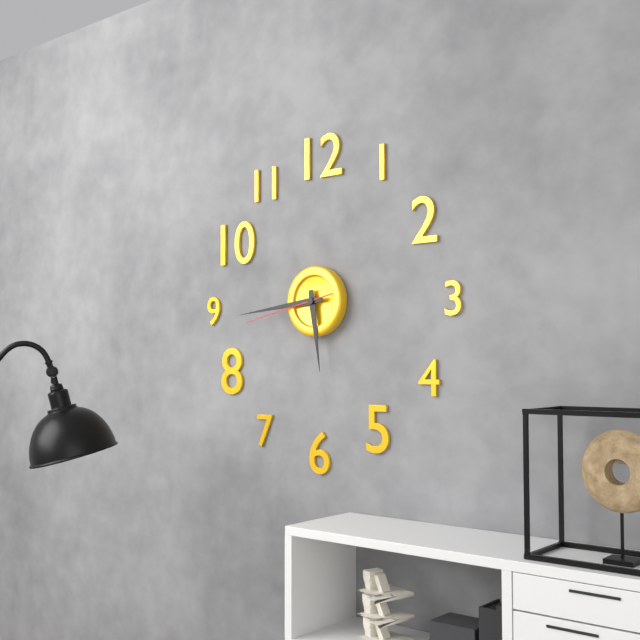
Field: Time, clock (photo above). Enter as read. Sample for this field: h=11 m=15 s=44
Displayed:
h=5 m=44 s=43
